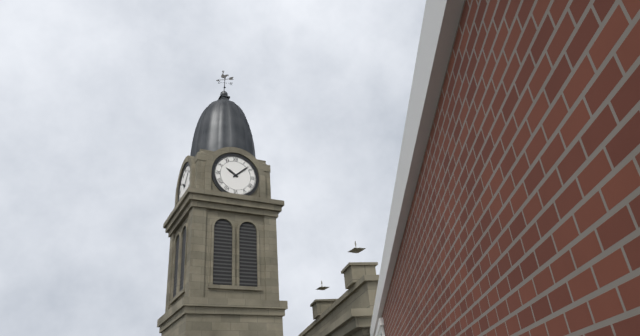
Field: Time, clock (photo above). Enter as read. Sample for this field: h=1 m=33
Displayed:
h=10 m=8
